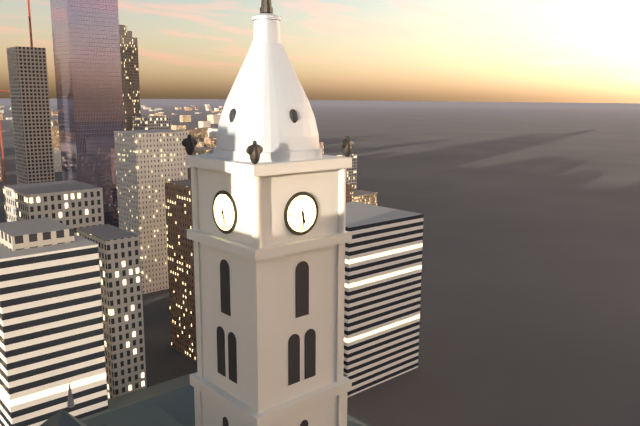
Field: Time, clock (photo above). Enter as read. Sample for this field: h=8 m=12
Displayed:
h=5 m=29
